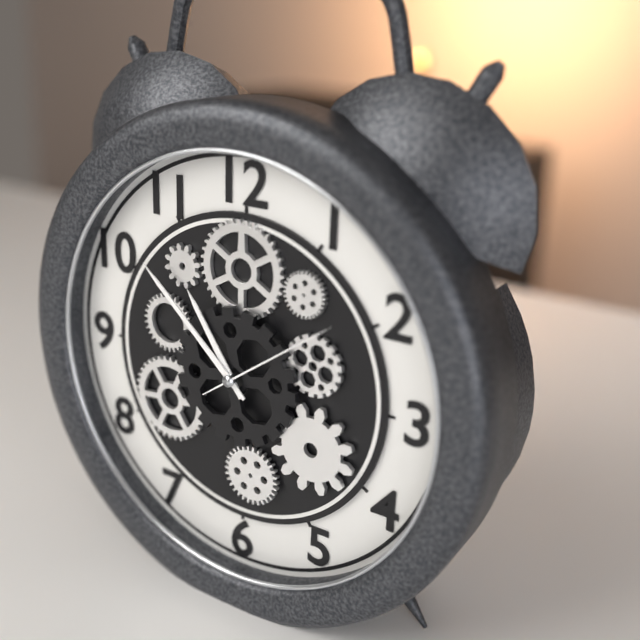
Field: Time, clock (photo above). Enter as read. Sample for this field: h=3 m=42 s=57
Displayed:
h=10 m=52 s=9
